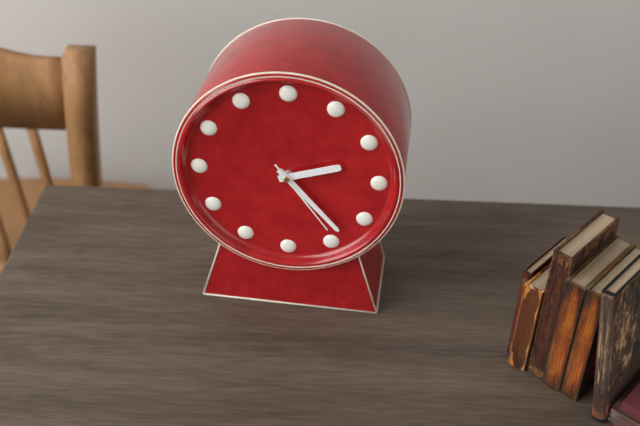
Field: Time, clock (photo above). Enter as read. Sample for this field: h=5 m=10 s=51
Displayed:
h=2 m=23 s=24
